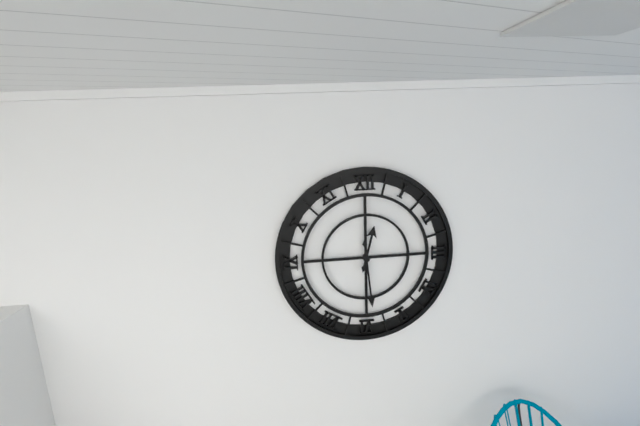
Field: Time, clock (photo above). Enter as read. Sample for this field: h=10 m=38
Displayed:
h=12 m=29
